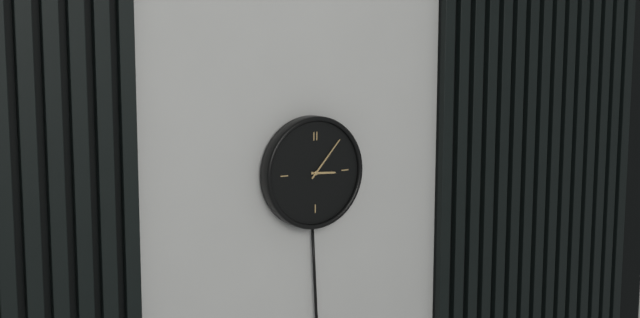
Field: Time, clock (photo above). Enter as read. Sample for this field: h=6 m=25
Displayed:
h=3 m=7
